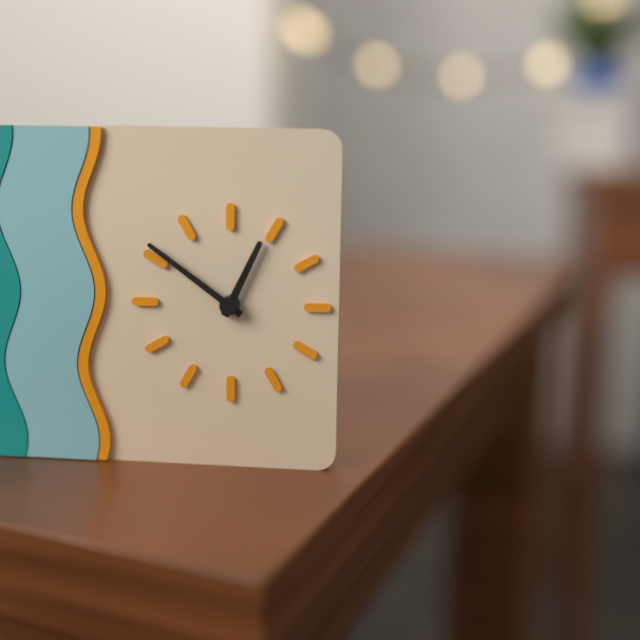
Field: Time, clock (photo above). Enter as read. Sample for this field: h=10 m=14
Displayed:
h=12 m=51
